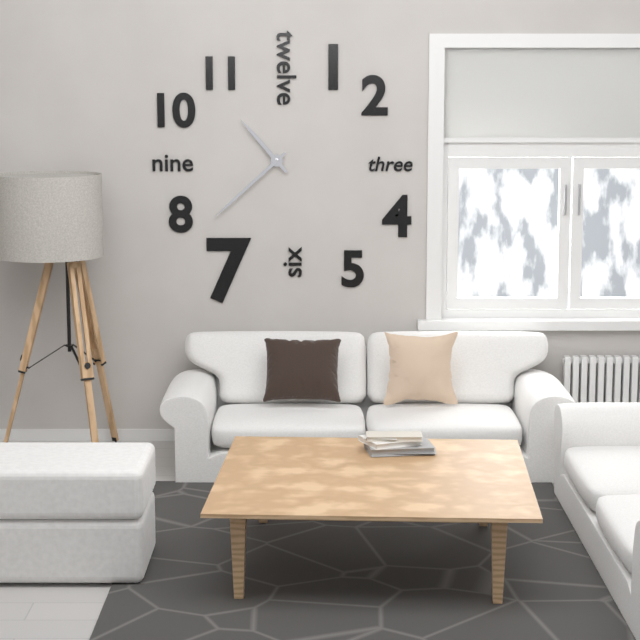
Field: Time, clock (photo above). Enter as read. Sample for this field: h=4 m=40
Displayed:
h=10 m=38
